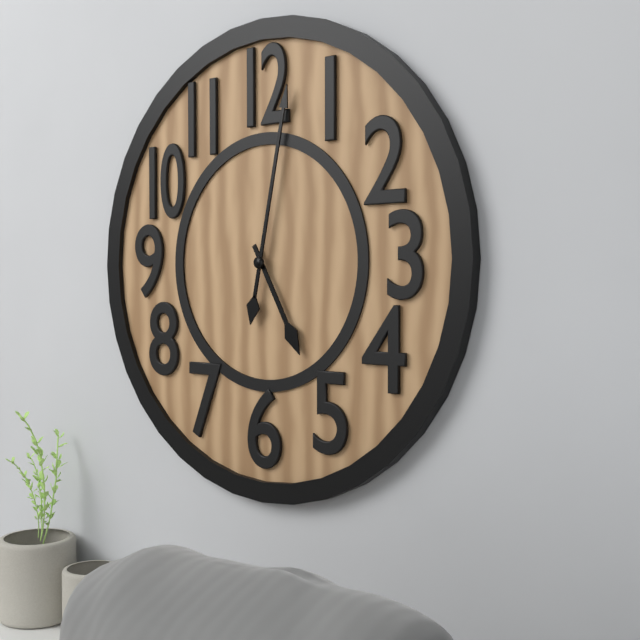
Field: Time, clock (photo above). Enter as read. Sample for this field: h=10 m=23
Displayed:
h=5 m=2
